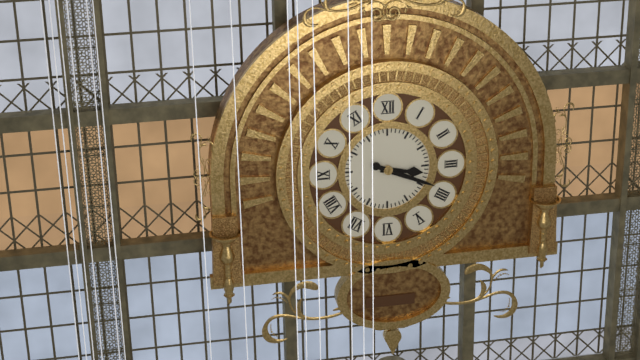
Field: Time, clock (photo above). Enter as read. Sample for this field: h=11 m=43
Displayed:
h=3 m=19
